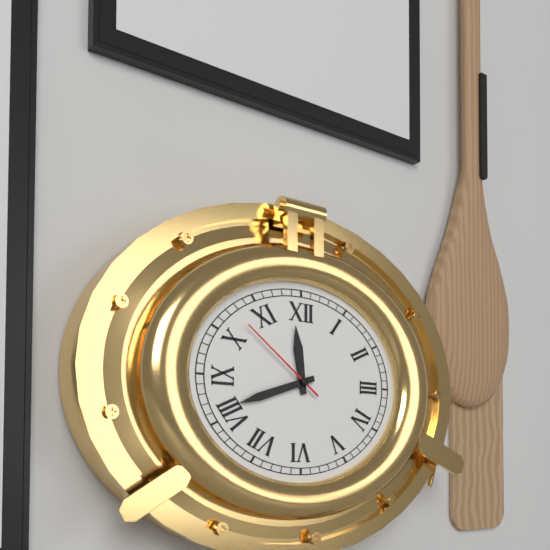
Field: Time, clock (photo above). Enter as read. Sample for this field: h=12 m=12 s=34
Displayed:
h=11 m=42 s=51
